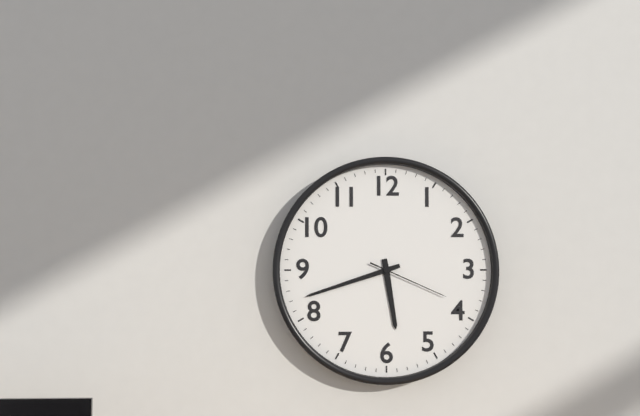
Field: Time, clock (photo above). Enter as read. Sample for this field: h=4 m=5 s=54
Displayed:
h=5 m=42 s=19
